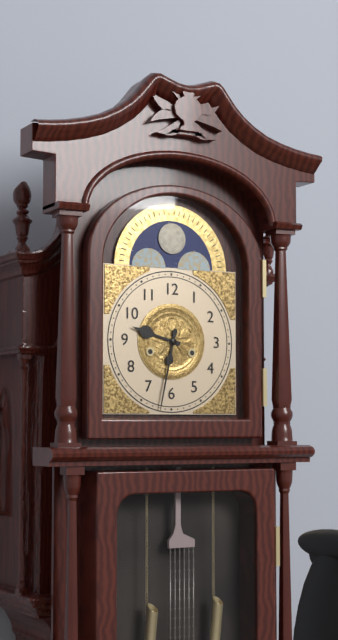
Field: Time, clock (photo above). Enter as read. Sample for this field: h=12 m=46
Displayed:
h=9 m=32
